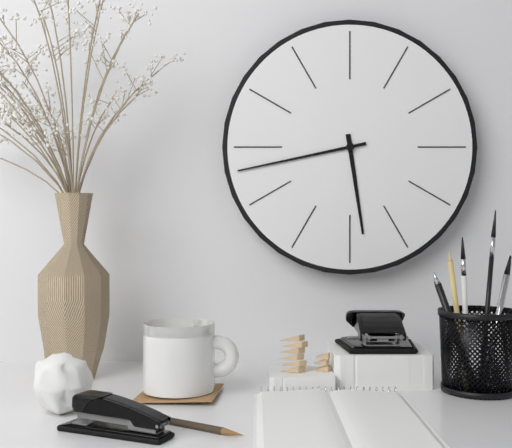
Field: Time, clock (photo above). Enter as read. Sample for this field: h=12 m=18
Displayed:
h=5 m=43
